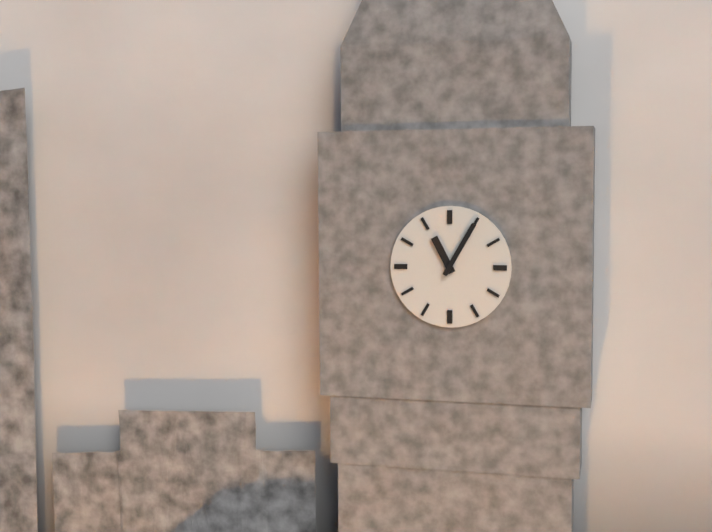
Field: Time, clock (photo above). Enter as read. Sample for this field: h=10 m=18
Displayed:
h=11 m=5
